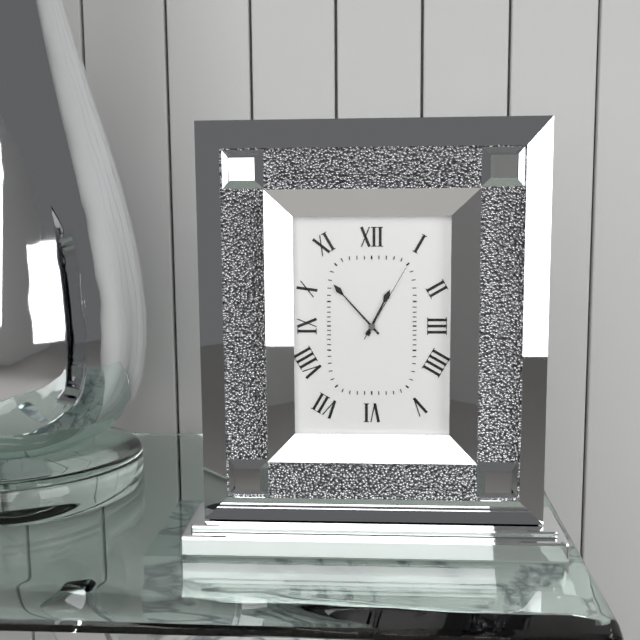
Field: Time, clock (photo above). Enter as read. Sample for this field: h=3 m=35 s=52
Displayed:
h=12 m=53 s=5
